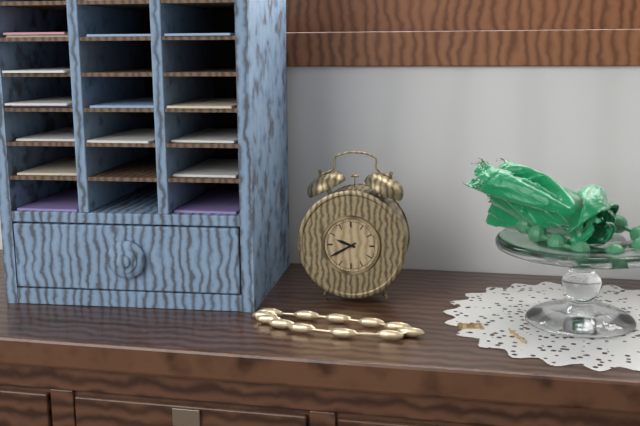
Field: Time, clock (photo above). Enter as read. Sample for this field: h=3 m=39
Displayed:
h=9 m=40
